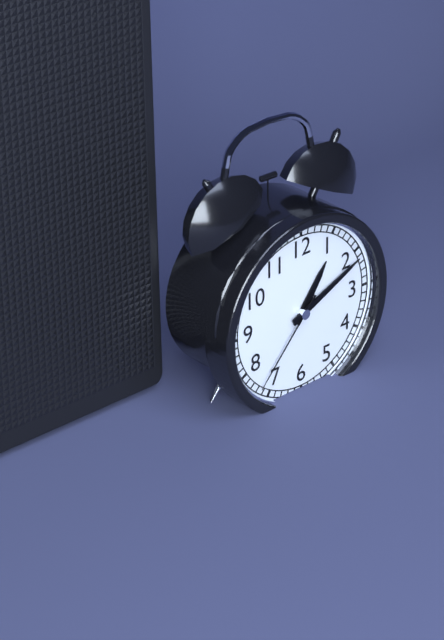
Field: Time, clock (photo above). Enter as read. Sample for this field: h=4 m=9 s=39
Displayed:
h=1 m=11 s=37
